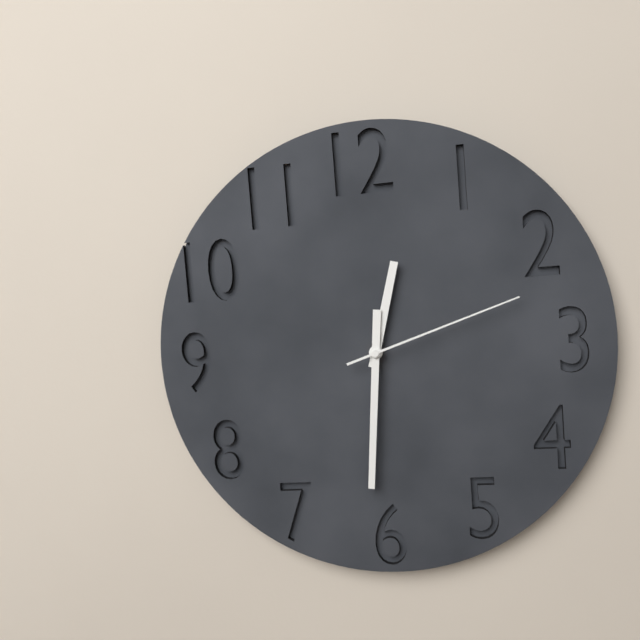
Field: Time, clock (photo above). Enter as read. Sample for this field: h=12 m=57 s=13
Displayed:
h=12 m=31 s=12
